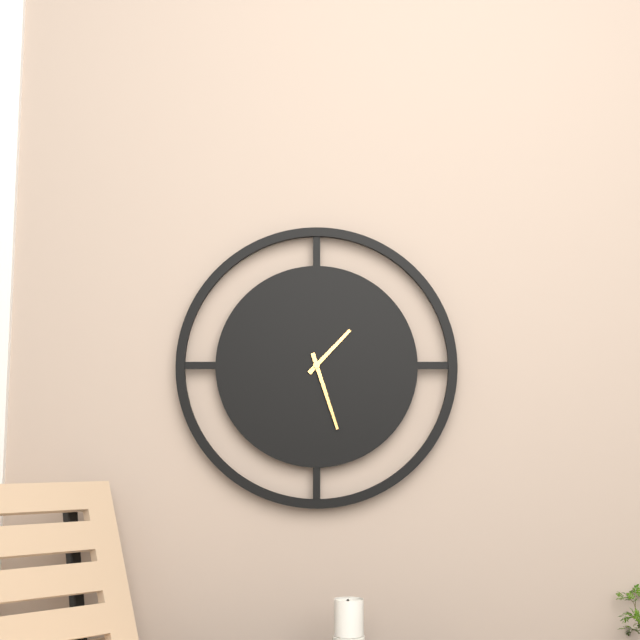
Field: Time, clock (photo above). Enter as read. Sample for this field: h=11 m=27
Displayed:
h=1 m=27
